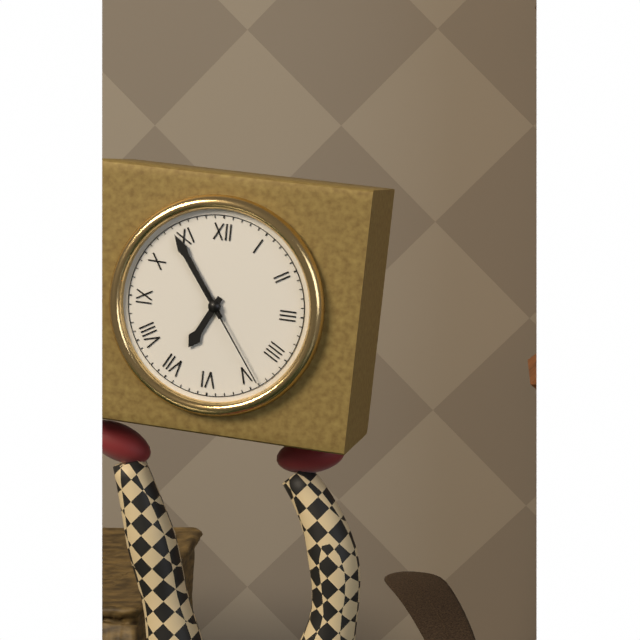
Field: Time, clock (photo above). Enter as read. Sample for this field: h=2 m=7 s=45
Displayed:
h=6 m=54 s=24
